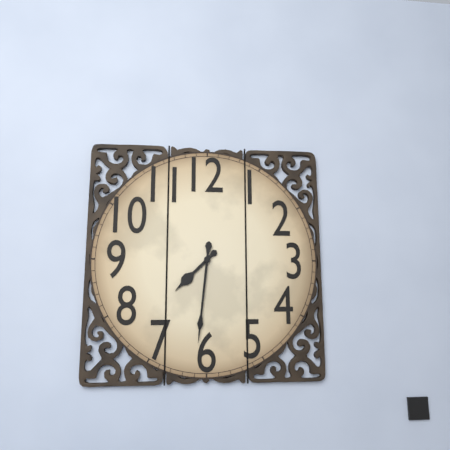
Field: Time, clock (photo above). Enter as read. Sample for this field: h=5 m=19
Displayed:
h=7 m=31
